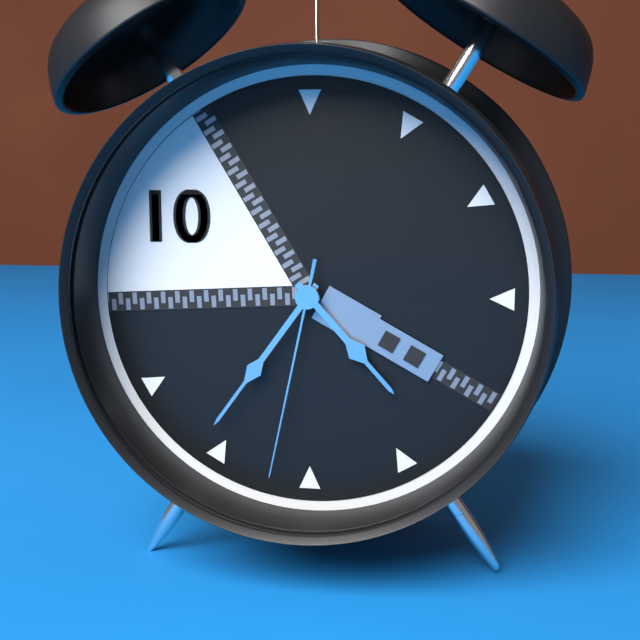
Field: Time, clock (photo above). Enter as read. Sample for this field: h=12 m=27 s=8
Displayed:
h=4 m=36 s=32
